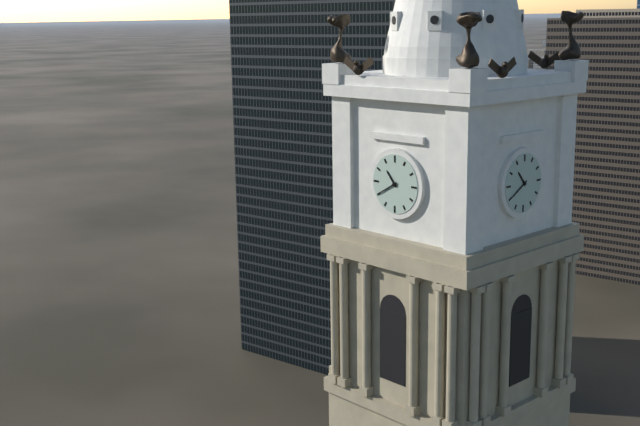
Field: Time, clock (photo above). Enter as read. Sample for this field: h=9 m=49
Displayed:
h=10 m=40
